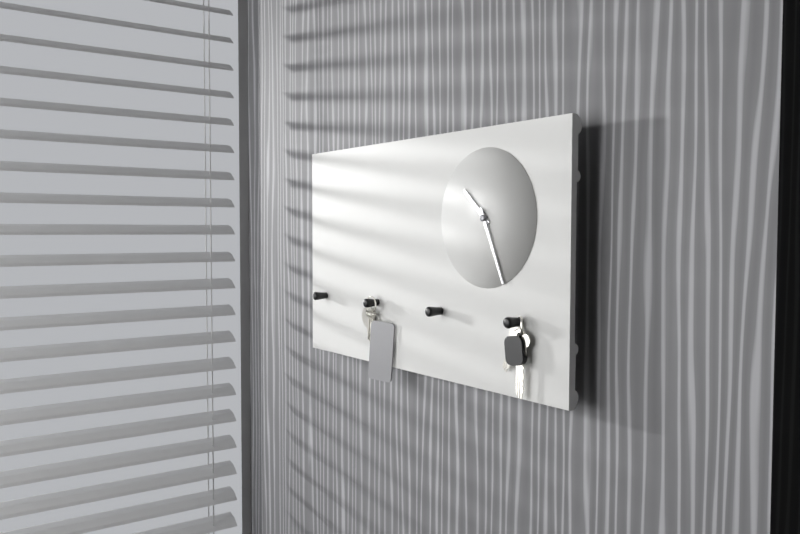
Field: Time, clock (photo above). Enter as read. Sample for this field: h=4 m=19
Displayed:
h=10 m=26
